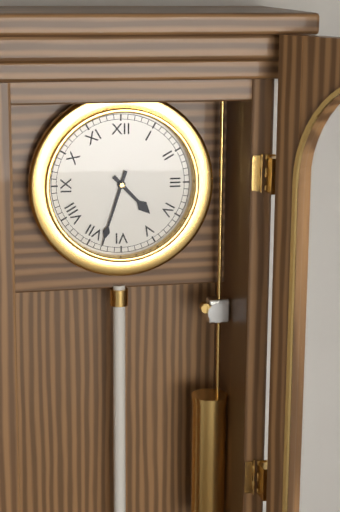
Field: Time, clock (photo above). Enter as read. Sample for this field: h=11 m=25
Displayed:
h=4 m=33
